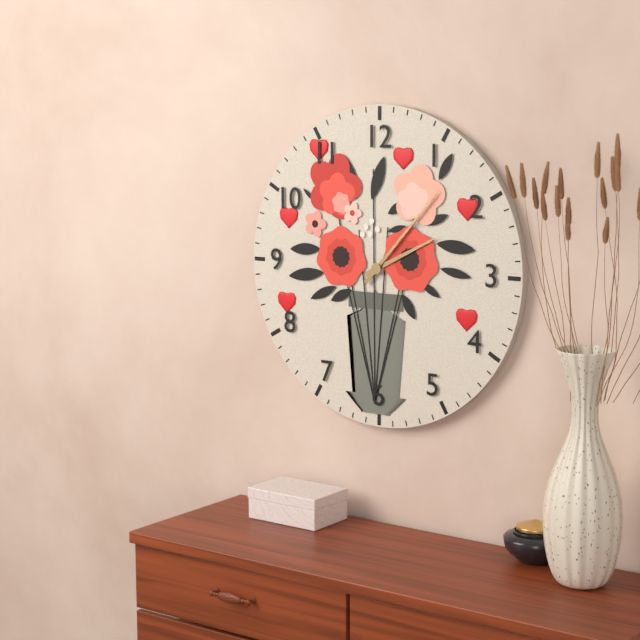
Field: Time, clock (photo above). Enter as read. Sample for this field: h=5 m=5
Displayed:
h=2 m=7
